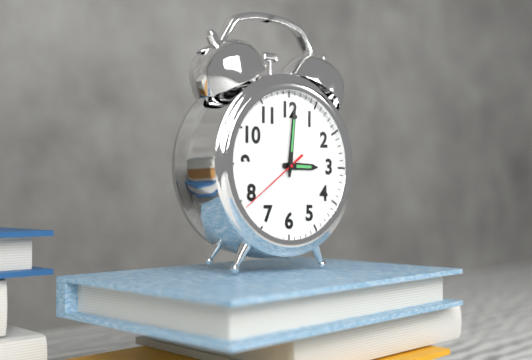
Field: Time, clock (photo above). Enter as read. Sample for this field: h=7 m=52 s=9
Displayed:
h=3 m=1 s=39
